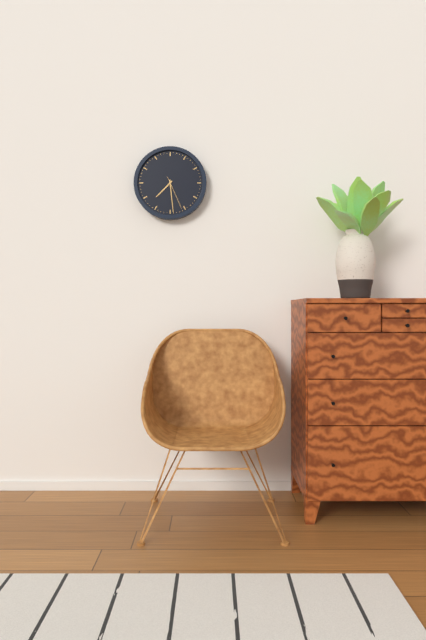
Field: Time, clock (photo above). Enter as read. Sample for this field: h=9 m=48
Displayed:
h=7 m=29
